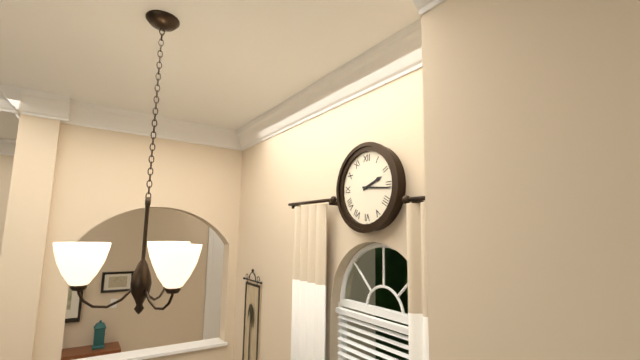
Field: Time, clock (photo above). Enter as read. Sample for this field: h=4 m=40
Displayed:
h=2 m=16
